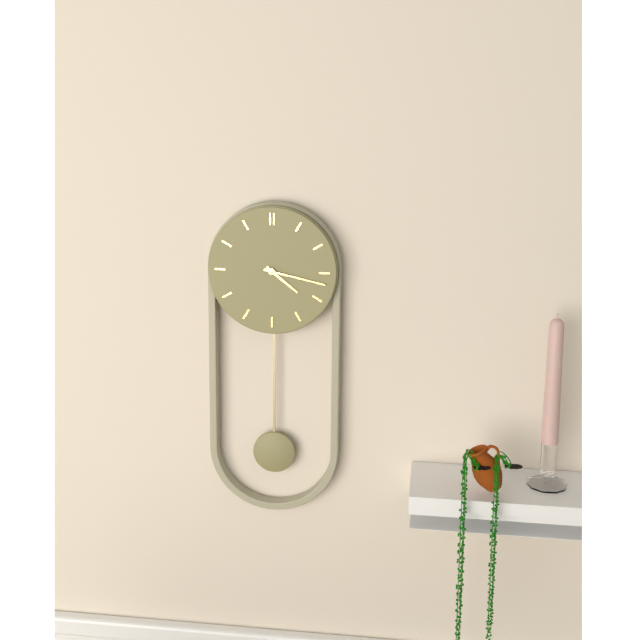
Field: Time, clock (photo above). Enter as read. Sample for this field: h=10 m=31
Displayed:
h=4 m=17
